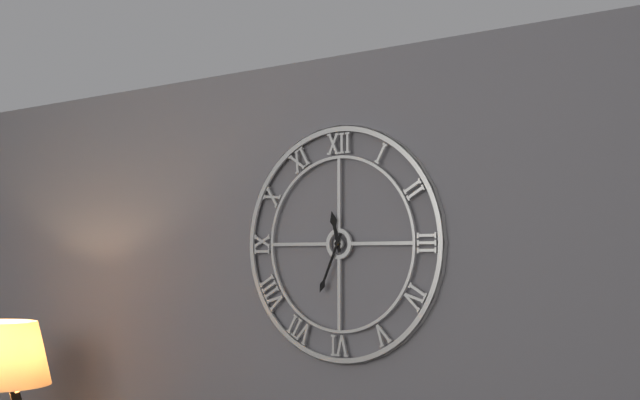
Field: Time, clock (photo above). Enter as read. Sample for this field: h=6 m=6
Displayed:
h=11 m=34
